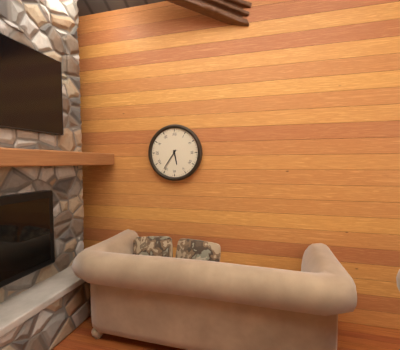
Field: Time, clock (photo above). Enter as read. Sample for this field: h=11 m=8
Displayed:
h=5 m=36
